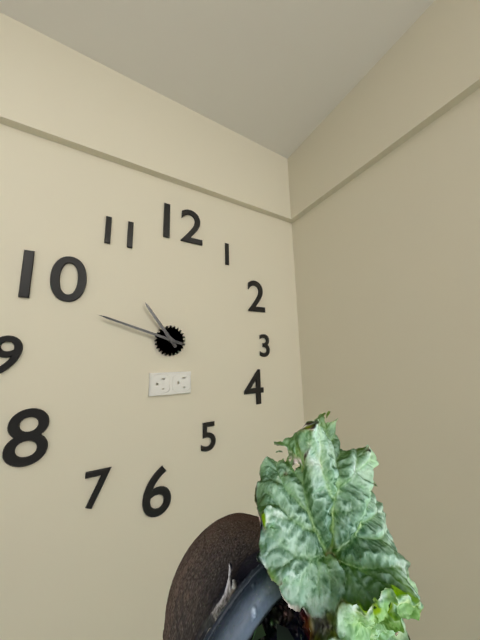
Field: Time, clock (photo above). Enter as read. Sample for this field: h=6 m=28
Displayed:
h=10 m=48
